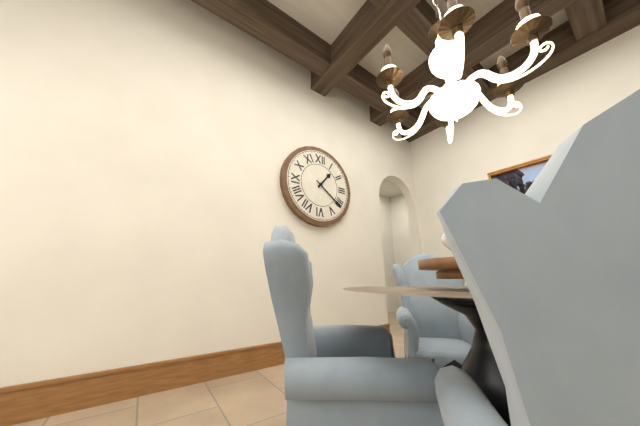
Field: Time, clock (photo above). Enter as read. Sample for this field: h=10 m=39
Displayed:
h=1 m=21
